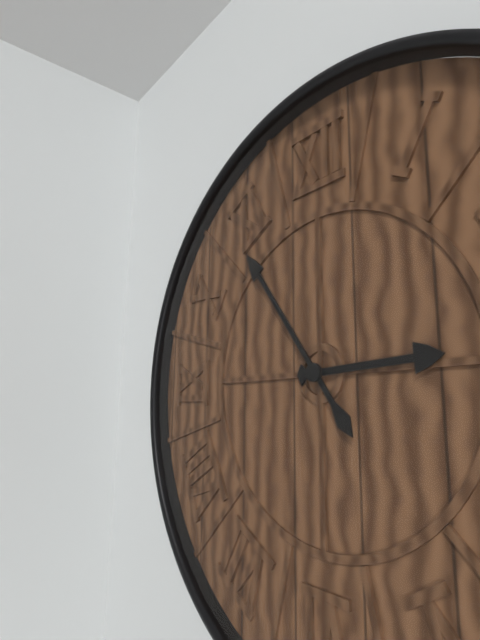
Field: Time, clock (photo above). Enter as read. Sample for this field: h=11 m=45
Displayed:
h=2 m=54
